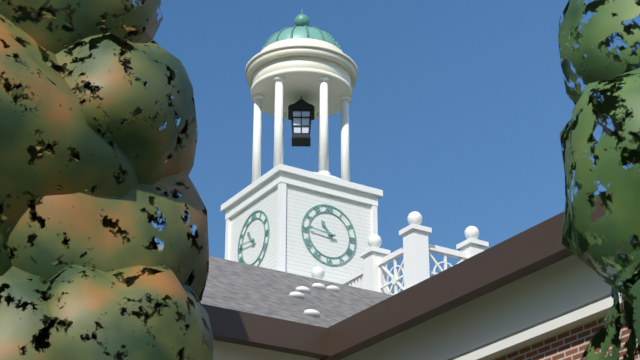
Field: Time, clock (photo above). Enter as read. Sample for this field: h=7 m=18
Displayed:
h=10 m=46
